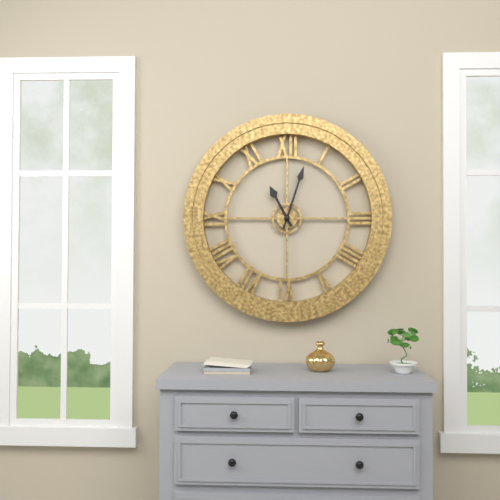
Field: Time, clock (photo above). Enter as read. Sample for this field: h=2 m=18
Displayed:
h=11 m=3
